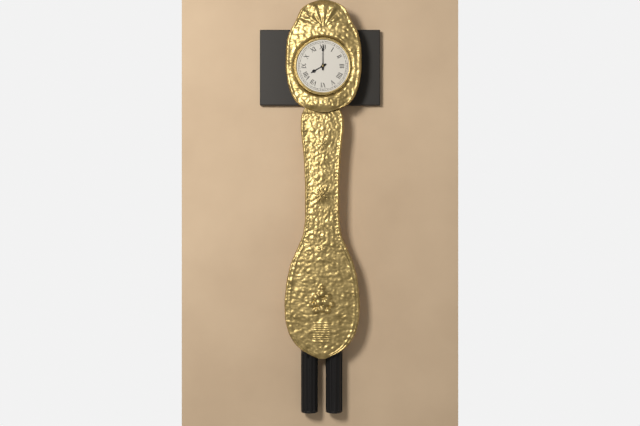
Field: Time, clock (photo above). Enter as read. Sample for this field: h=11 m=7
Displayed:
h=8 m=0
